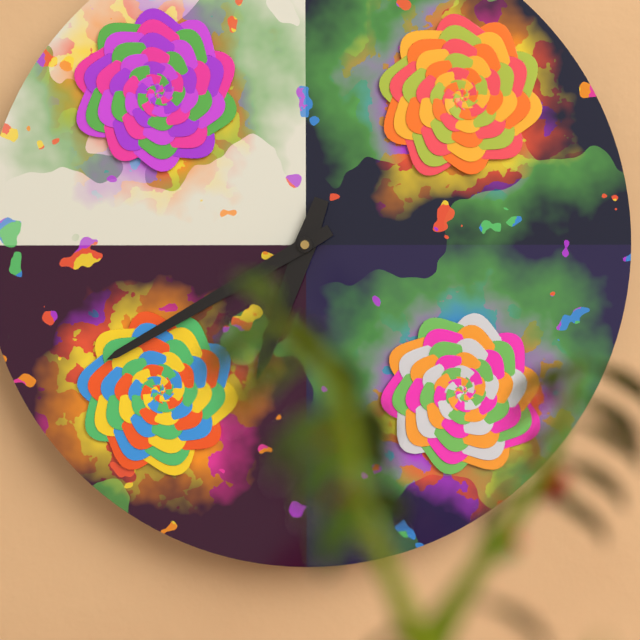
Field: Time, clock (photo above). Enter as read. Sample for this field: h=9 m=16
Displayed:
h=6 m=40
